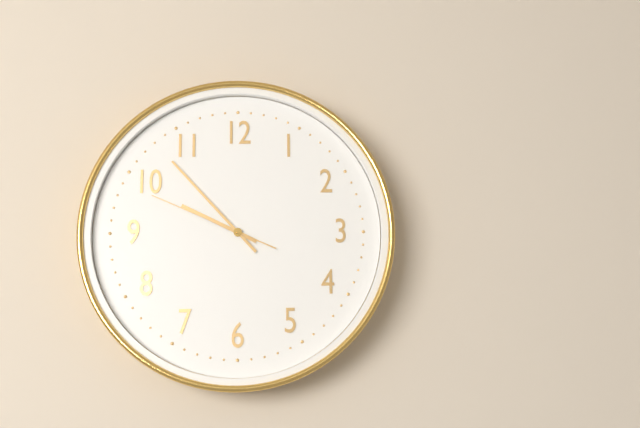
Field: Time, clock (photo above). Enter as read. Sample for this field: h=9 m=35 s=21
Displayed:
h=9 m=53 s=49
